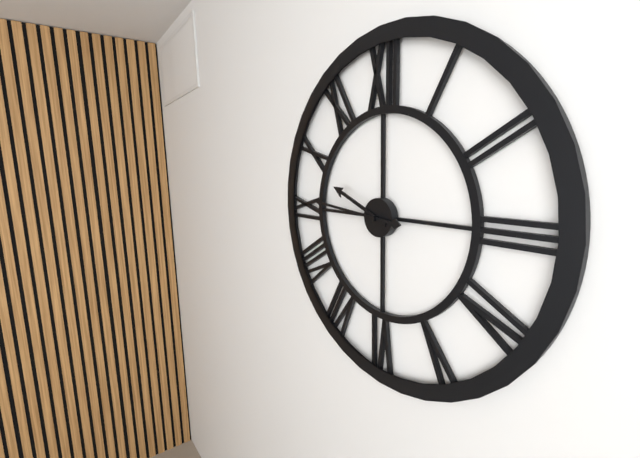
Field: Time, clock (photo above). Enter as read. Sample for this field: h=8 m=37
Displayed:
h=9 m=46
